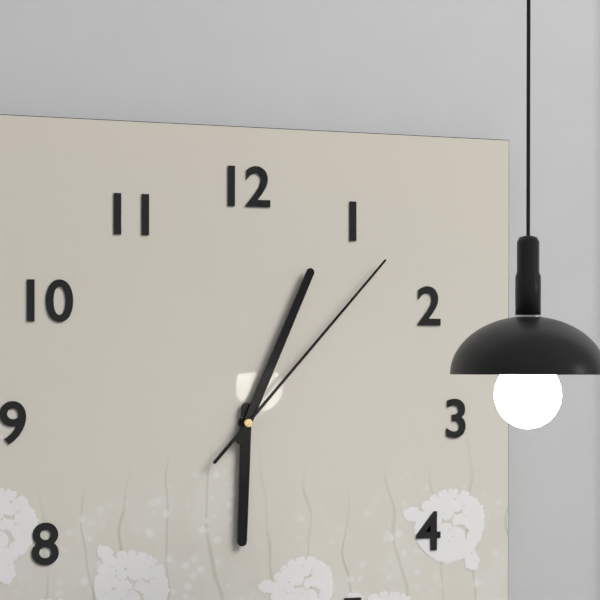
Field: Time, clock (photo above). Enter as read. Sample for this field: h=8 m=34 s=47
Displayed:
h=6 m=4 s=7
